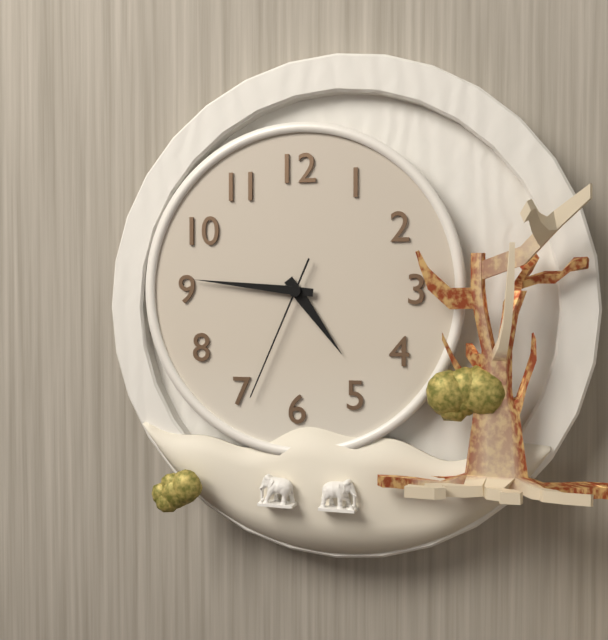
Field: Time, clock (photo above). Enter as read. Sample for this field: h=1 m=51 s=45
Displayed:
h=4 m=46 s=34
